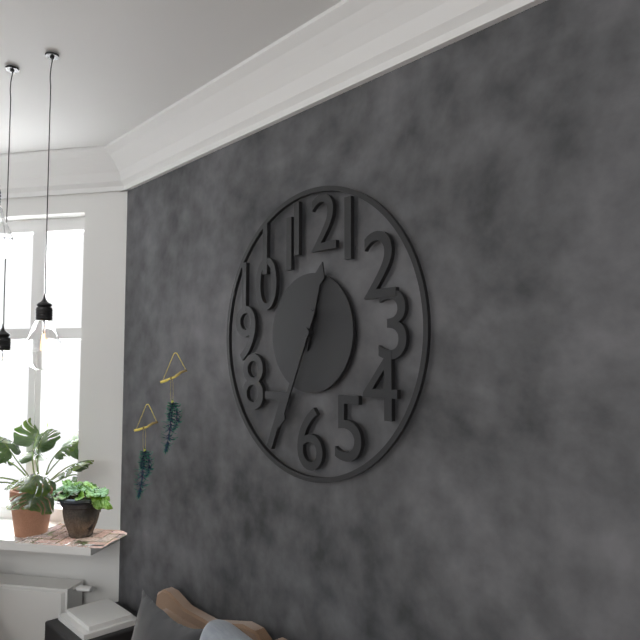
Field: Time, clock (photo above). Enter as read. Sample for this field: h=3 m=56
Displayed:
h=12 m=34
